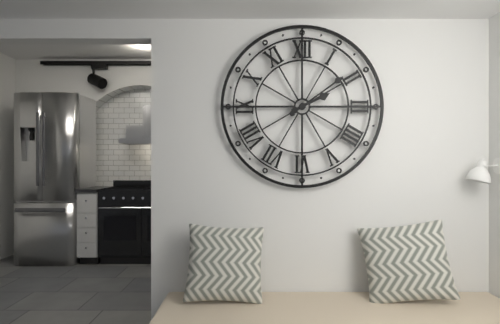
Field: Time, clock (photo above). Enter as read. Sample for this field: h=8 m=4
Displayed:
h=2 m=9
